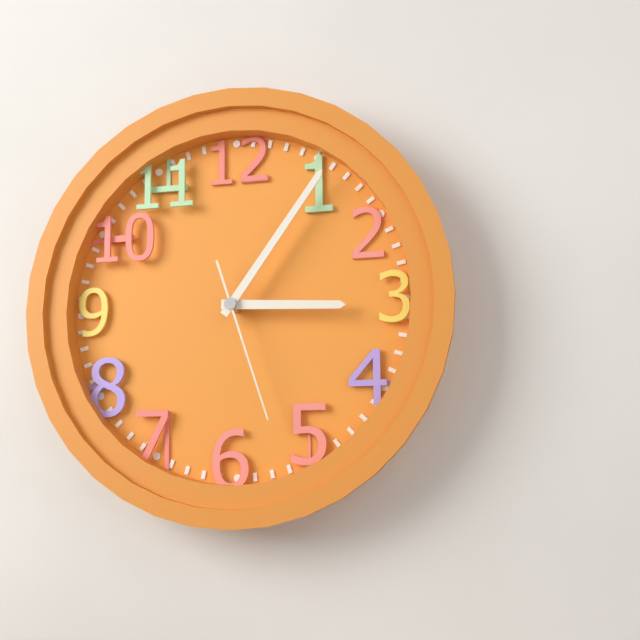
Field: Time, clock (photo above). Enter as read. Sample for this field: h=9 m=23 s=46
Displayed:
h=3 m=6 s=27
